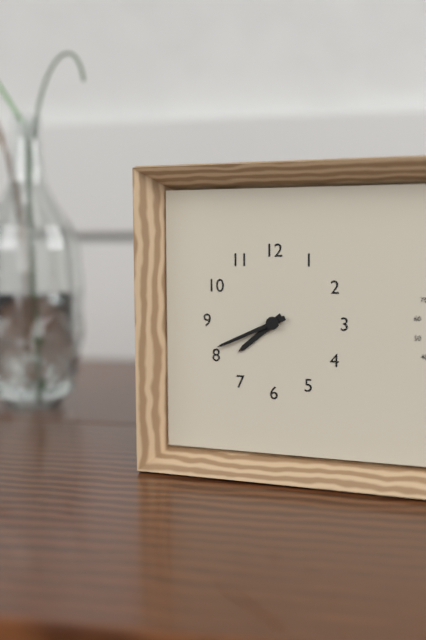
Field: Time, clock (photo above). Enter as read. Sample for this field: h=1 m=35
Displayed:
h=7 m=41
